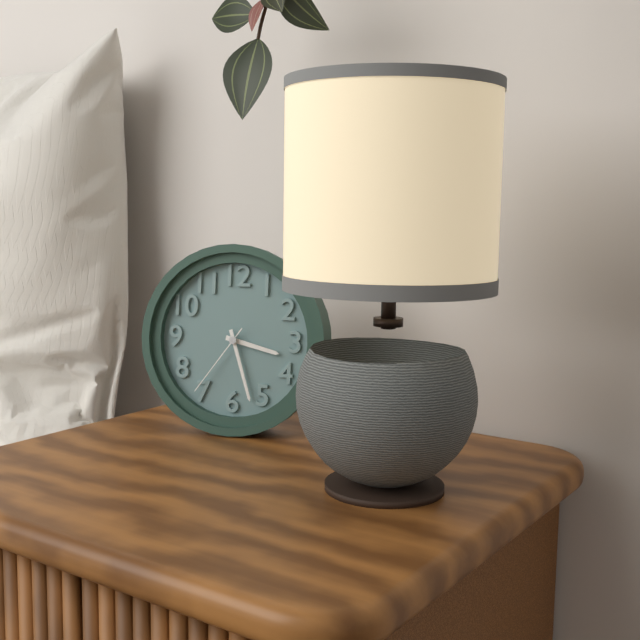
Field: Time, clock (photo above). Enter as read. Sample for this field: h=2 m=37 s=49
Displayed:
h=3 m=27 s=36
